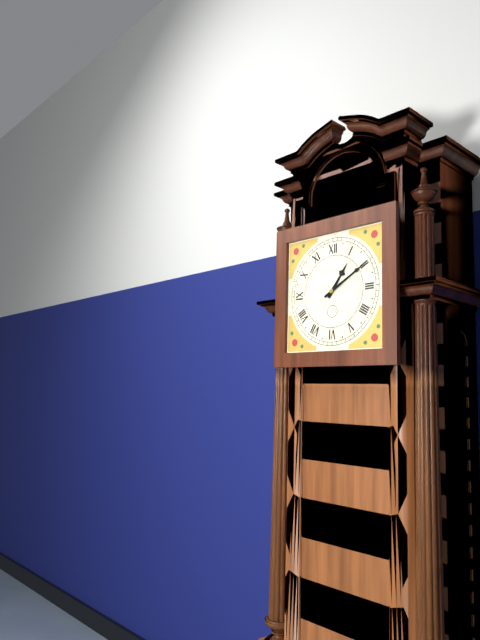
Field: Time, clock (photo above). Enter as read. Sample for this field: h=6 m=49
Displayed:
h=1 m=10
